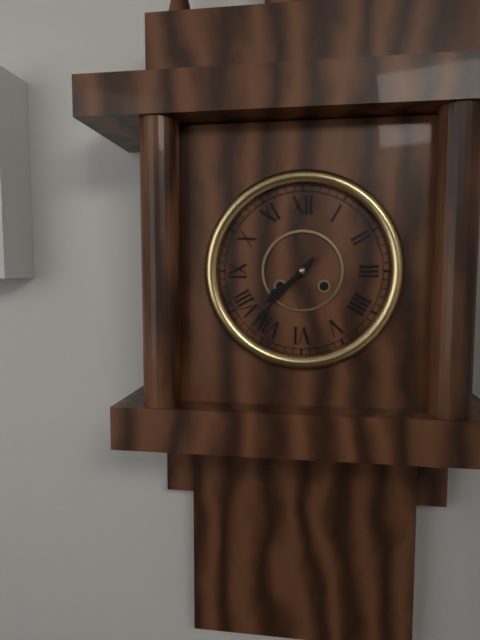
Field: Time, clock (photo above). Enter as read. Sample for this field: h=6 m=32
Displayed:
h=7 m=37
